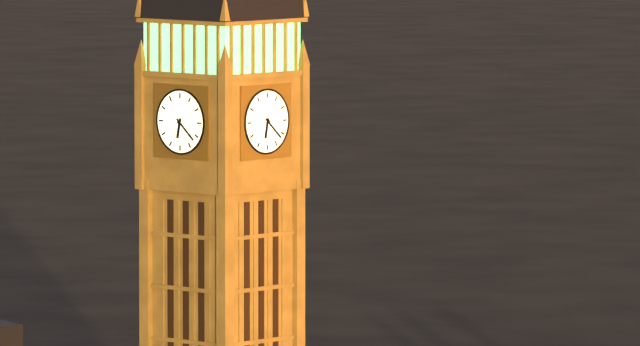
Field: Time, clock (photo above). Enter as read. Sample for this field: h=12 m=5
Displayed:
h=6 m=22
